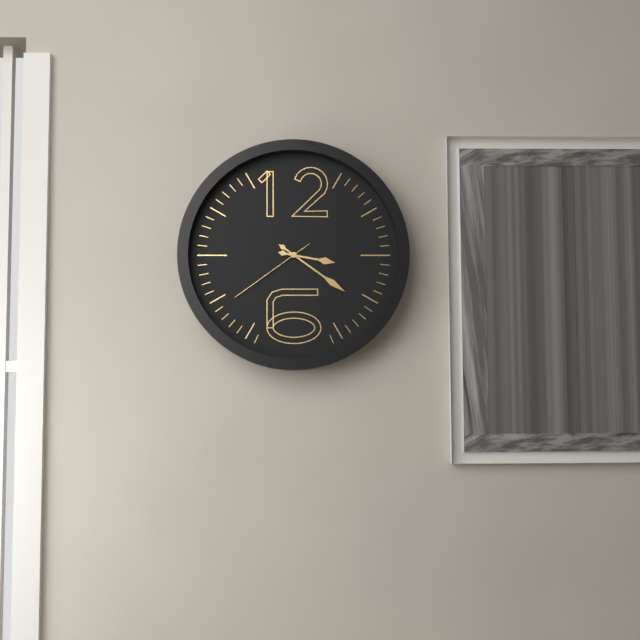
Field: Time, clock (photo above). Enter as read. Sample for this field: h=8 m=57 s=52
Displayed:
h=3 m=21 s=39
